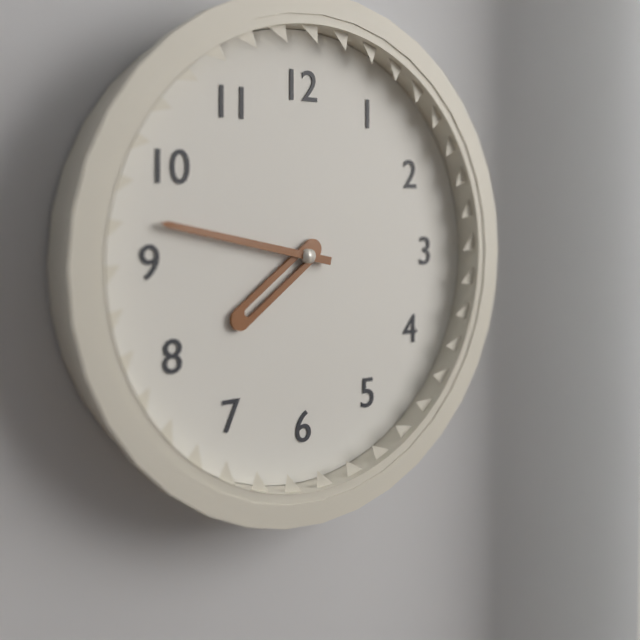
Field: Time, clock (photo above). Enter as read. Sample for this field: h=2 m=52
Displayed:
h=7 m=47
